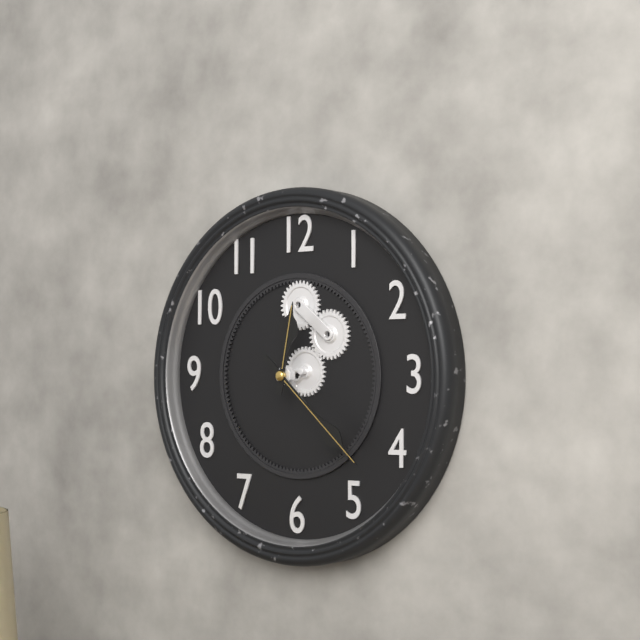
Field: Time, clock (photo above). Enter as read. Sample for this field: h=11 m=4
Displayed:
h=12 m=22
